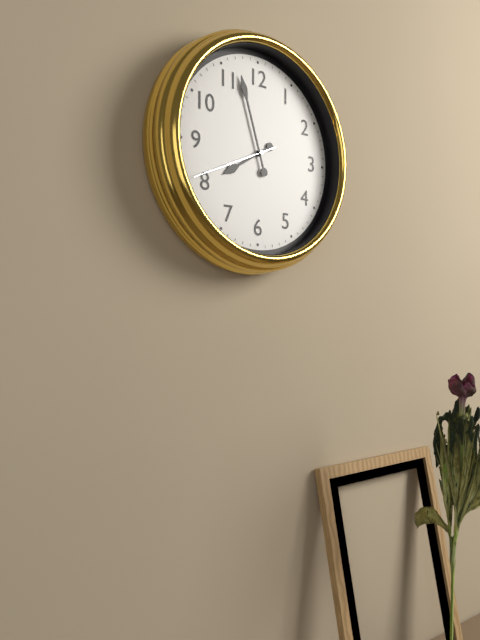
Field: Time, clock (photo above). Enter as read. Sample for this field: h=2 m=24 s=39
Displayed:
h=7 m=57 s=41
